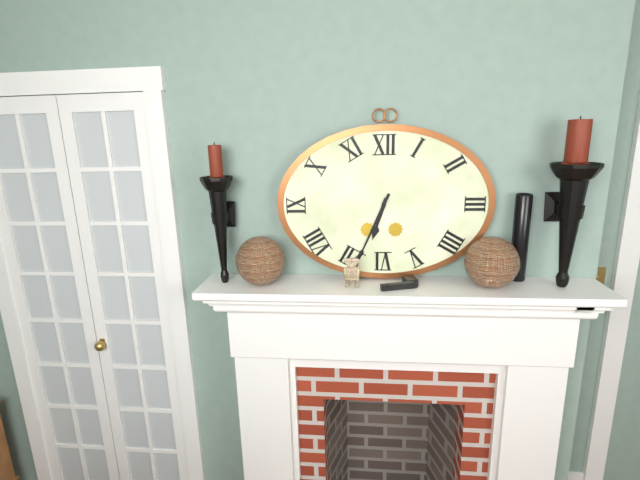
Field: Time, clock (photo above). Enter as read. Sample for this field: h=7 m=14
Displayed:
h=6 m=34
